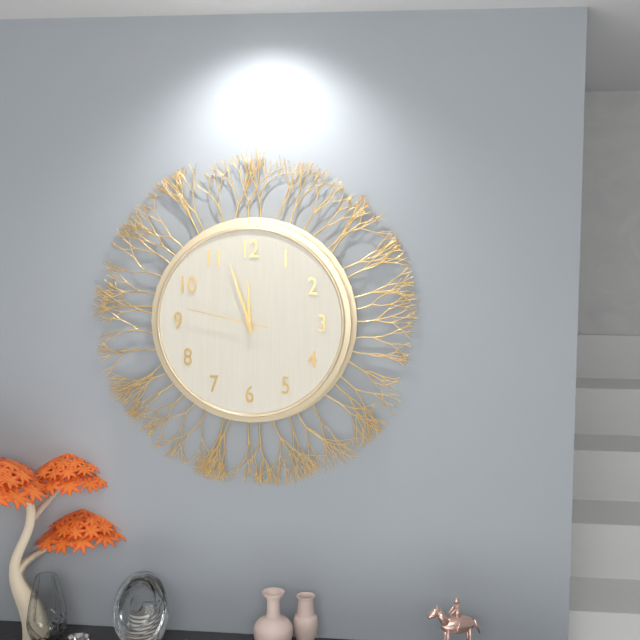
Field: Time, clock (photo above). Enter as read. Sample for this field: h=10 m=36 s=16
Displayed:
h=11 m=57 s=47
